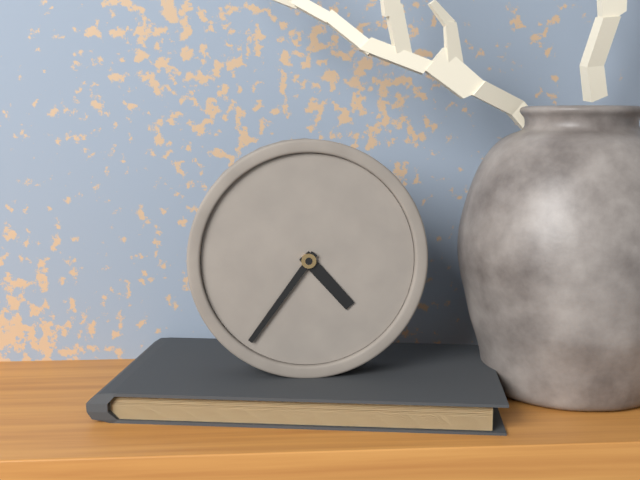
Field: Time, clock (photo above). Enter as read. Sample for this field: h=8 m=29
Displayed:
h=4 m=36
